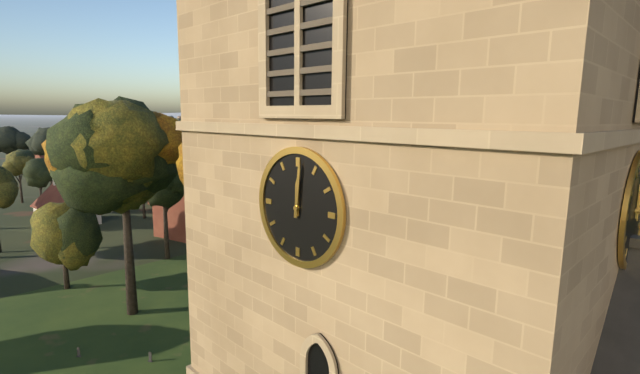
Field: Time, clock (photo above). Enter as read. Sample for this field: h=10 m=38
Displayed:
h=12 m=1
